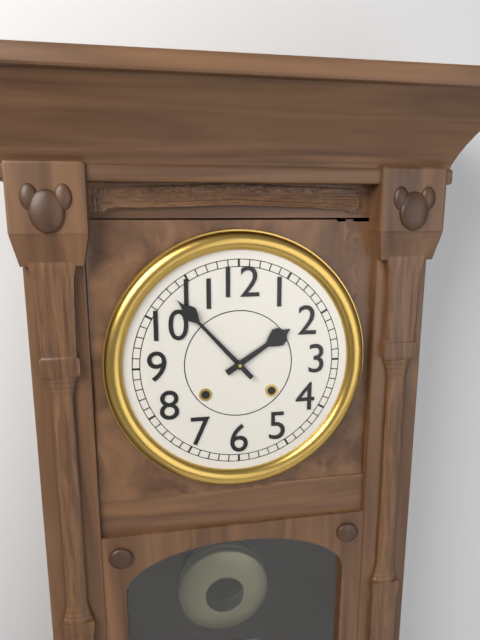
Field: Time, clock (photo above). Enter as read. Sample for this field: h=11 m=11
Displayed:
h=1 m=53
